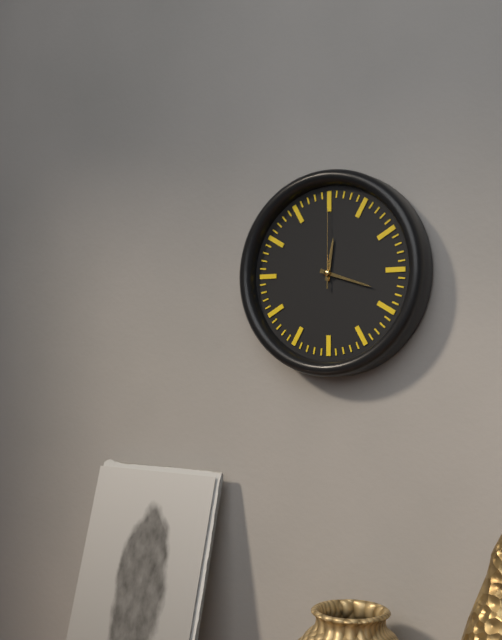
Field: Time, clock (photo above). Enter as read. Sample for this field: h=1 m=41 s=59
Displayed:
h=12 m=18 s=0
